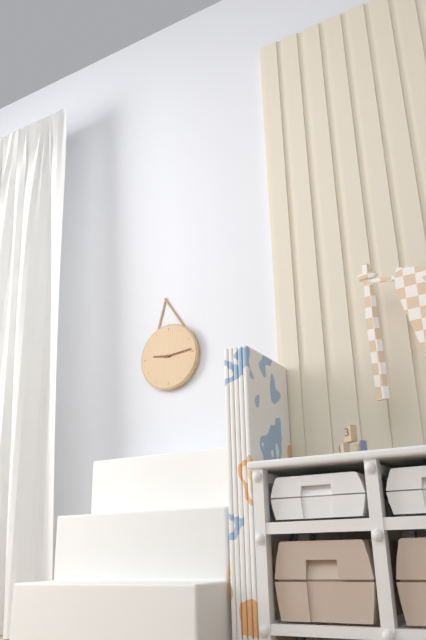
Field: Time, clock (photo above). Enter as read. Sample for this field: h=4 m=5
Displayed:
h=9 m=14
